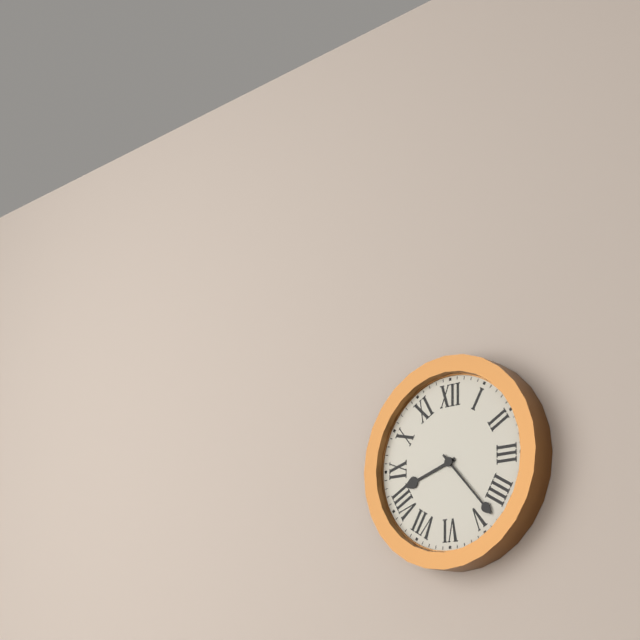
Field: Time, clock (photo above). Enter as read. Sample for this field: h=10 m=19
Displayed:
h=8 m=23
